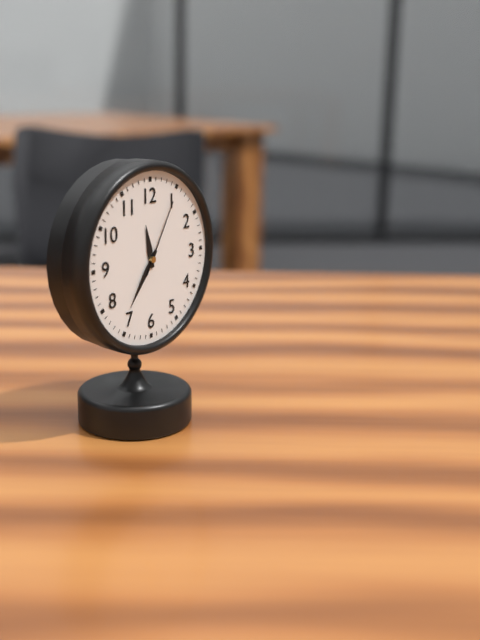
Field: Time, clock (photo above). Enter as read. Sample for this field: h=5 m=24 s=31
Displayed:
h=11 m=36 s=5
